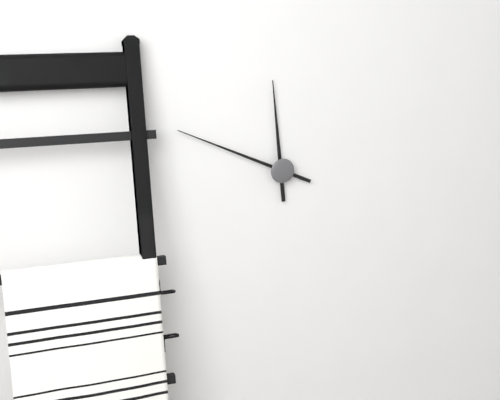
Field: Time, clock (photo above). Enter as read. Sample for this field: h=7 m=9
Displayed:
h=11 m=49
